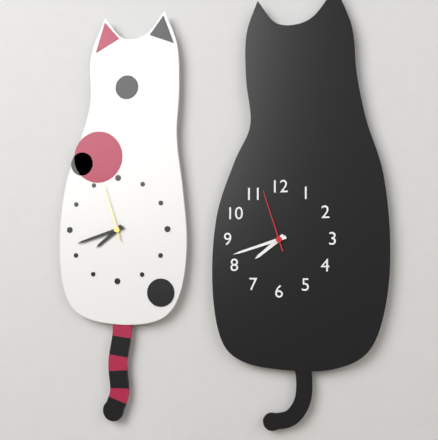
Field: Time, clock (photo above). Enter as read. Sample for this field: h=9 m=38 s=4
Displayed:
h=7 m=42 s=57
